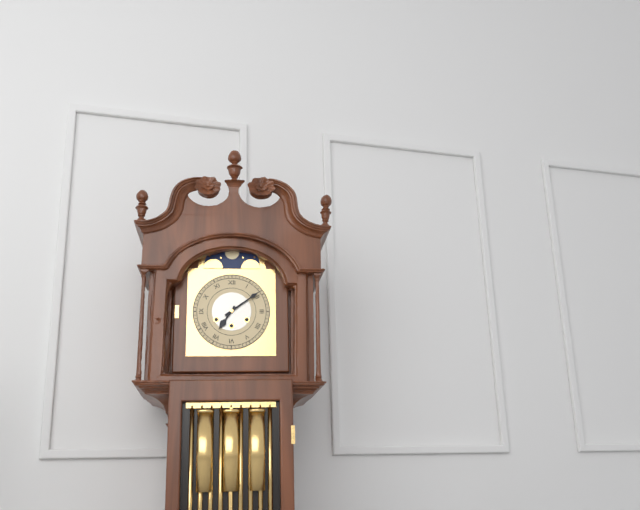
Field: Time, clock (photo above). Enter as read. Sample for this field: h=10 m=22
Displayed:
h=7 m=9
